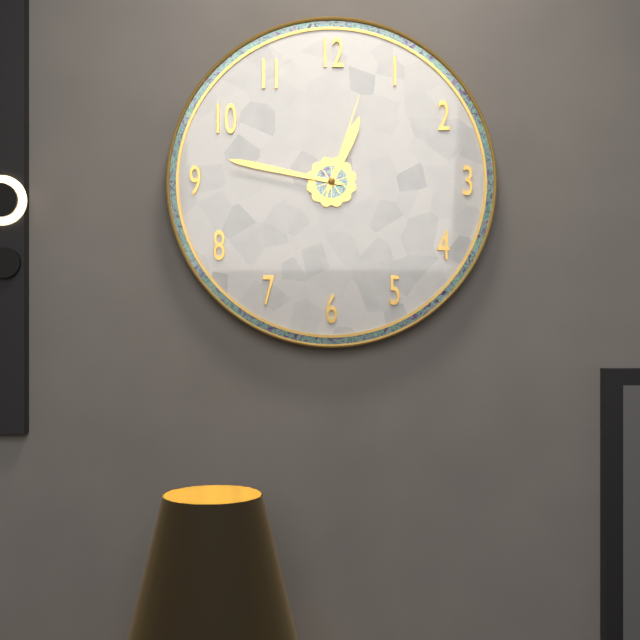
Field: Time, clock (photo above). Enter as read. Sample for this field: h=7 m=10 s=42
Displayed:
h=12 m=47 s=3
